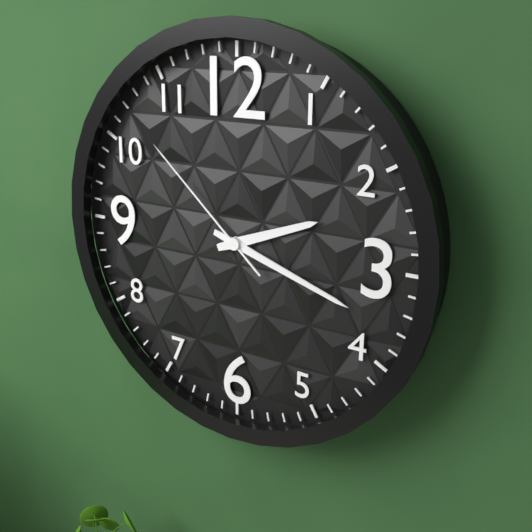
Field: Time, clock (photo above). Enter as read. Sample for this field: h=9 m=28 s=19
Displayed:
h=2 m=18 s=52
